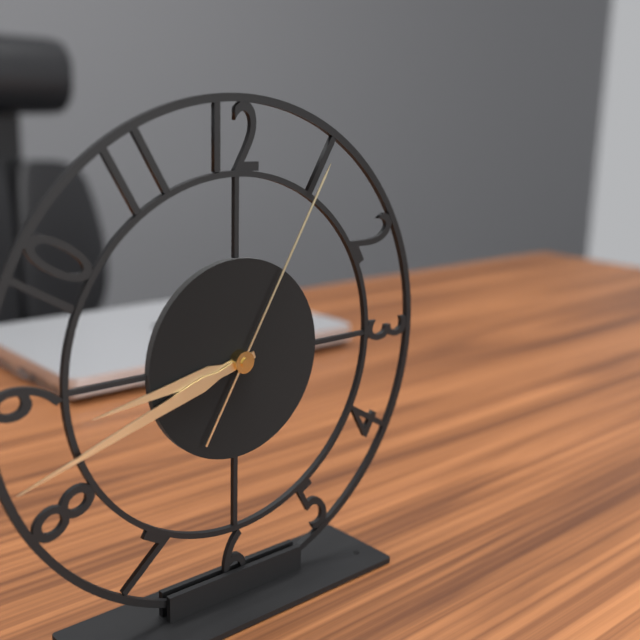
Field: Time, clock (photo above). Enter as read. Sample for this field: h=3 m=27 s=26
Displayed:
h=8 m=42 s=5
